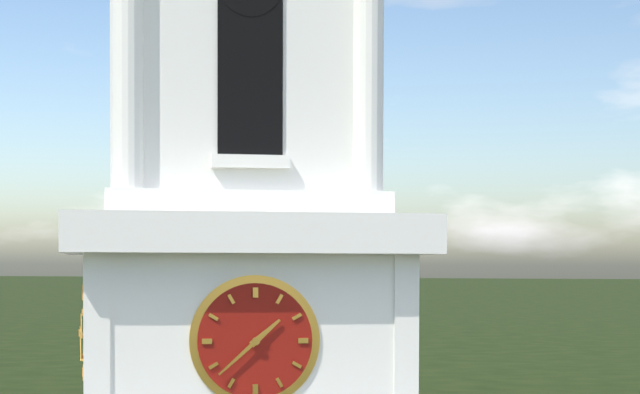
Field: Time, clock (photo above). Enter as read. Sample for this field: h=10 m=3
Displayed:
h=1 m=38
